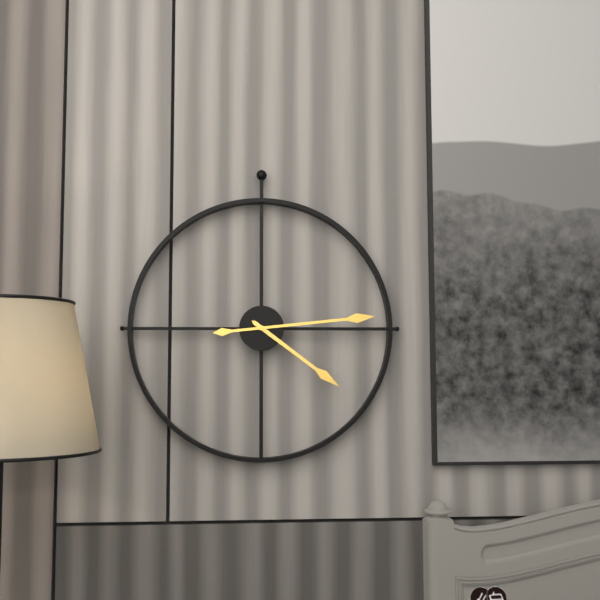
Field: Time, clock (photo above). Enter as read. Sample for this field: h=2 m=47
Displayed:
h=4 m=14
